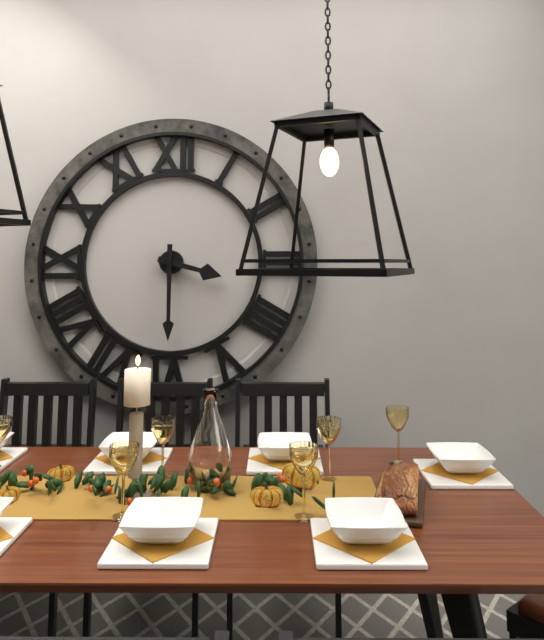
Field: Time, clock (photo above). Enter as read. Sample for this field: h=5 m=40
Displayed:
h=3 m=30
